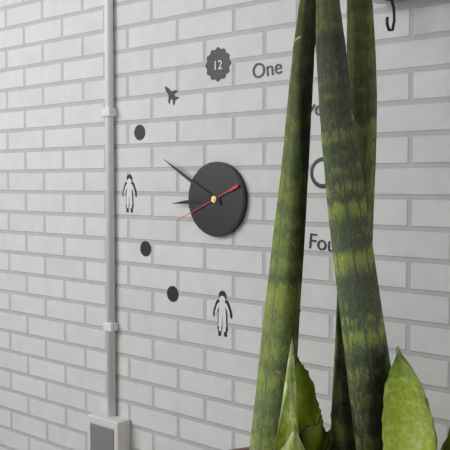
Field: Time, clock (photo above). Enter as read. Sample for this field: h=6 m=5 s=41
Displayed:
h=8 m=50 s=41
